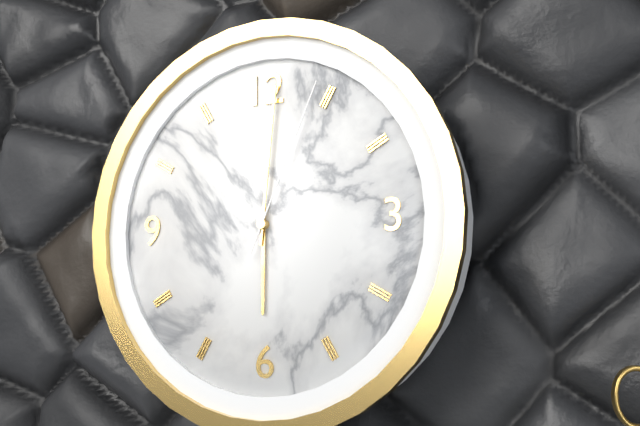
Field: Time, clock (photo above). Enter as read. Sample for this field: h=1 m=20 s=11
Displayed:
h=6 m=1 s=4
